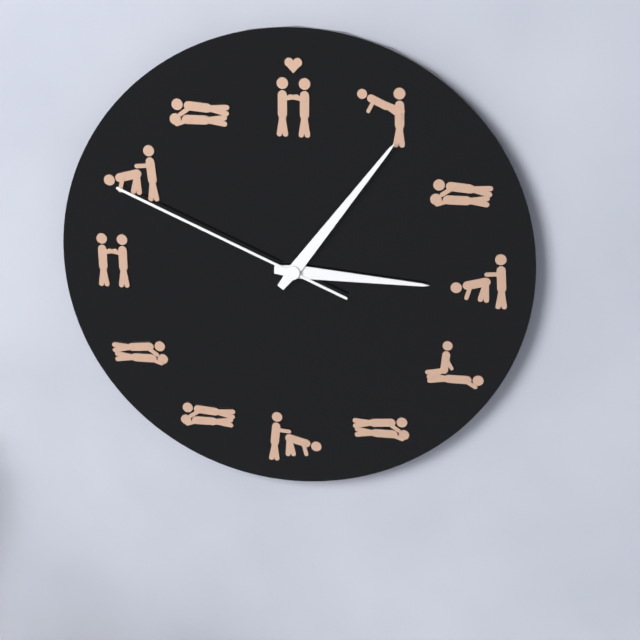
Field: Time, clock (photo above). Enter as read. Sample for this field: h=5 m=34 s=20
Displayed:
h=3 m=6 s=49
